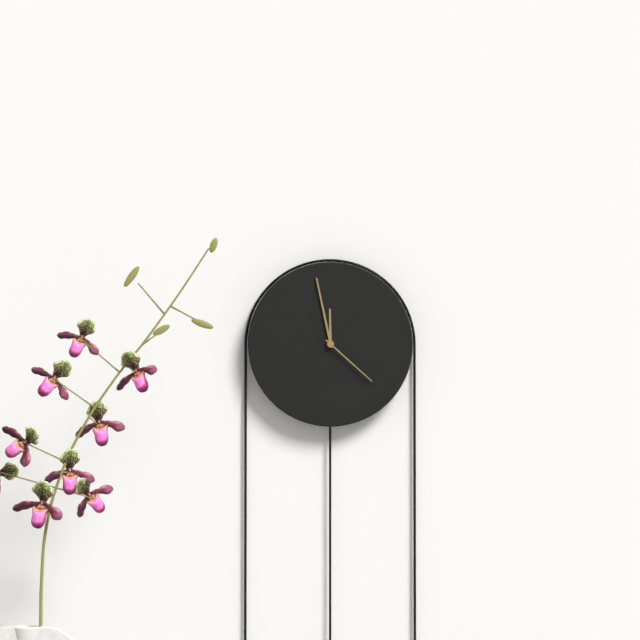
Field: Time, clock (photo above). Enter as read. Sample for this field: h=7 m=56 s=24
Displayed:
h=11 m=58 s=22
